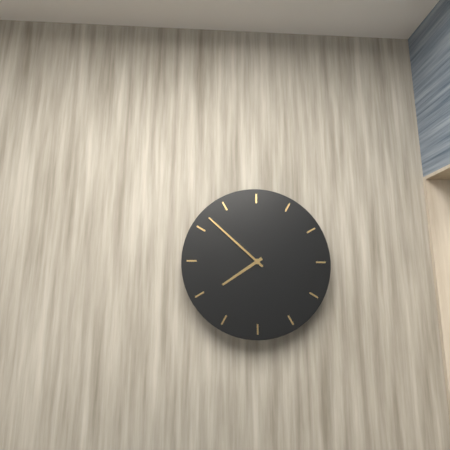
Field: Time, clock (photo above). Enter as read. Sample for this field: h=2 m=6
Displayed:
h=7 m=52
